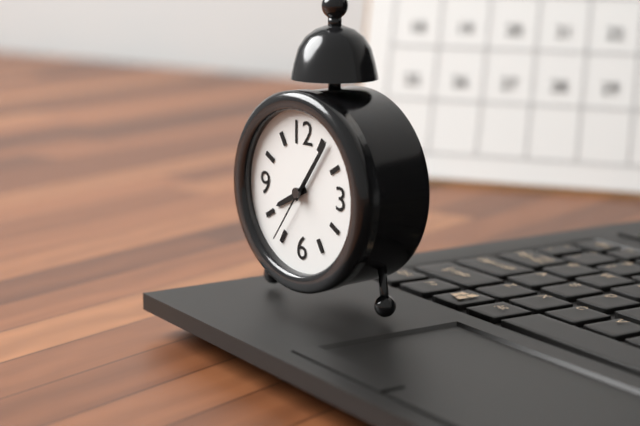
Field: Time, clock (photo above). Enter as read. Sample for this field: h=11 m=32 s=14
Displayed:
h=8 m=6 s=36
